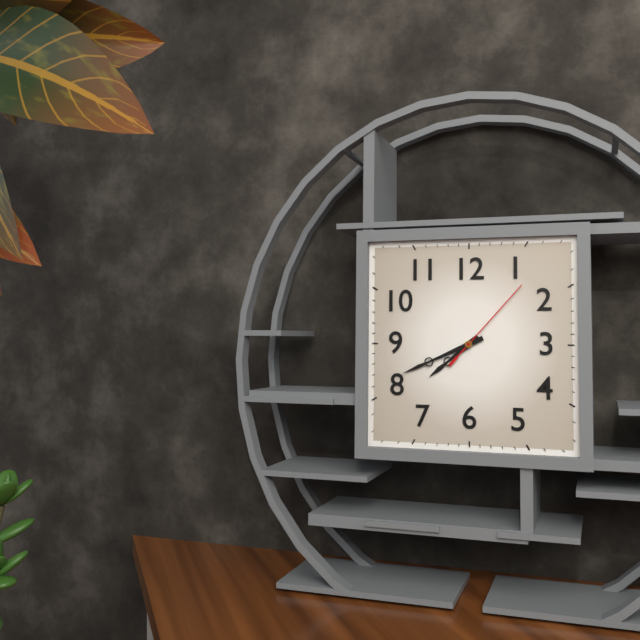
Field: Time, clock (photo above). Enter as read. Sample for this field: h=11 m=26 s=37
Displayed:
h=7 m=41 s=7
